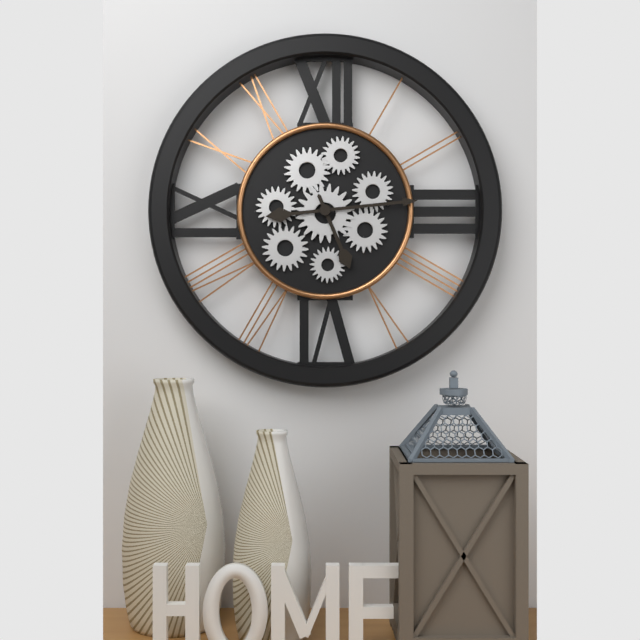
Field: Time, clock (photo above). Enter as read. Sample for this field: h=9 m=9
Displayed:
h=5 m=14
